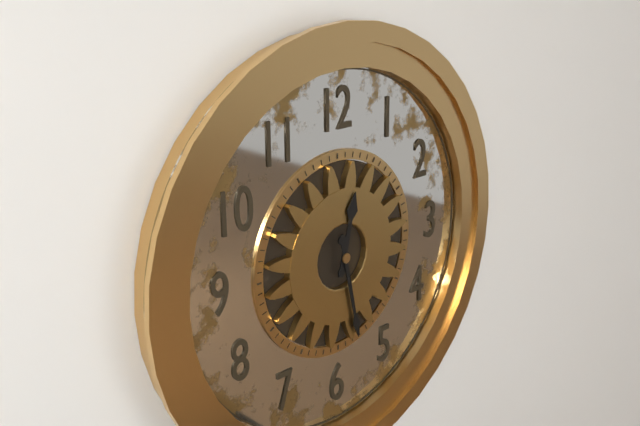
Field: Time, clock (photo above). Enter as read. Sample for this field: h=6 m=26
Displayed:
h=12 m=28
